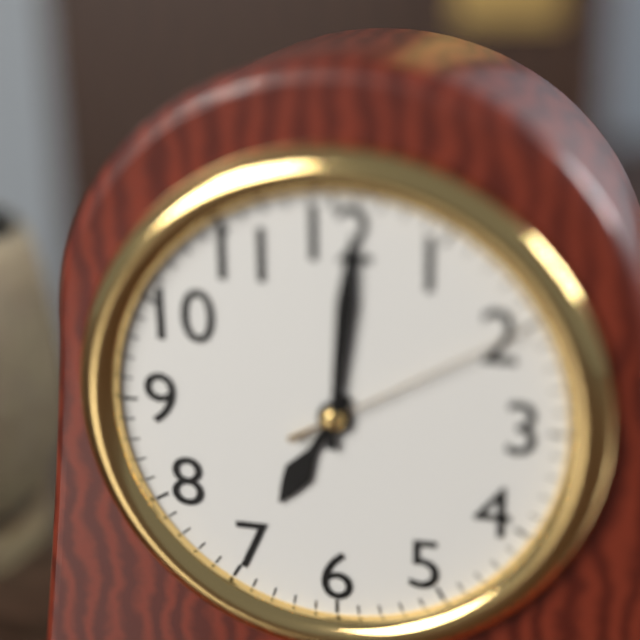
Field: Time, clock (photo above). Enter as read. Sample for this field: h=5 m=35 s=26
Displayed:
h=7 m=1 s=10
